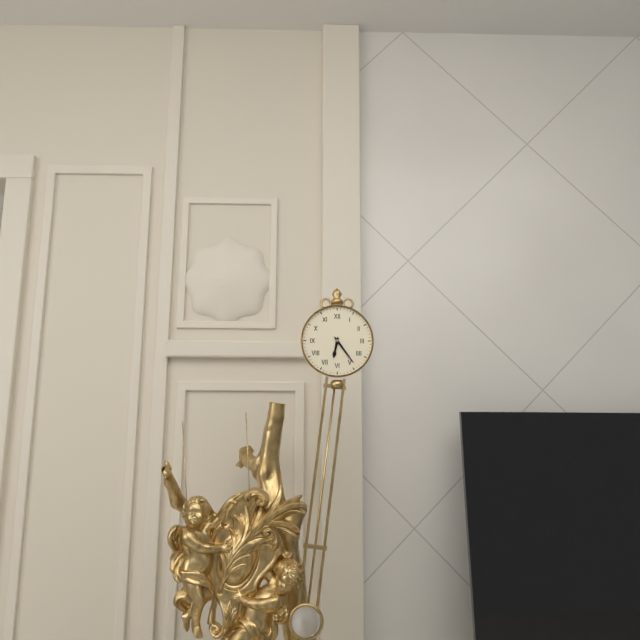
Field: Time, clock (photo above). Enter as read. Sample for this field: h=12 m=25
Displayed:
h=6 m=24
